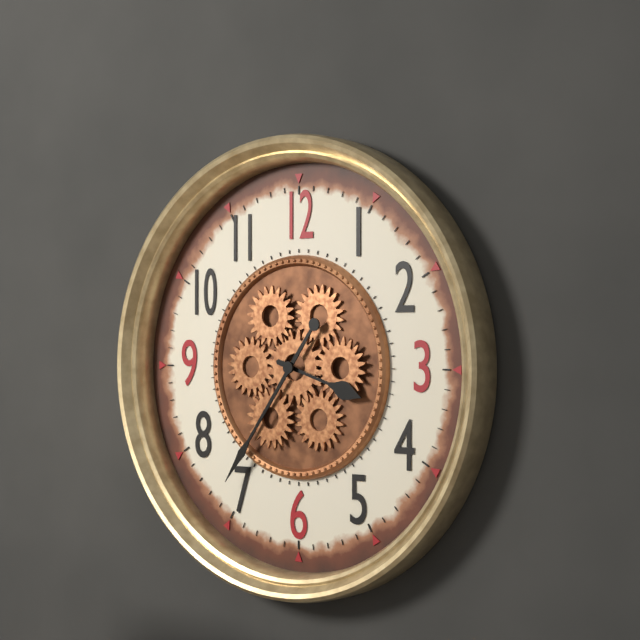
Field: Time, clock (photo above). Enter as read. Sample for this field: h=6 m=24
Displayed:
h=3 m=36
